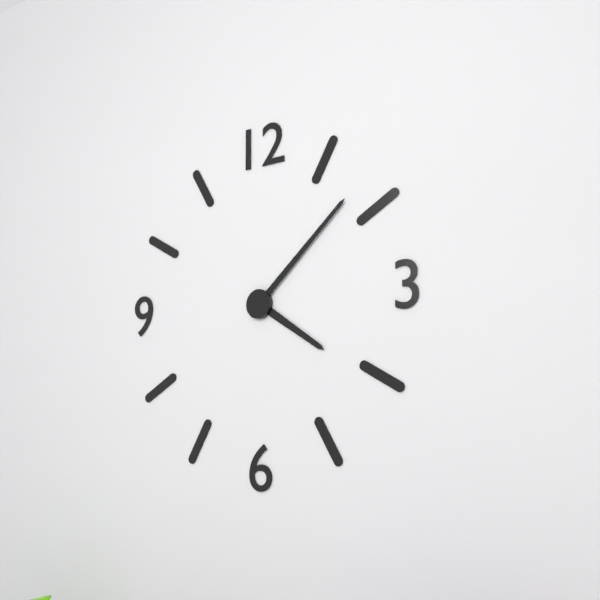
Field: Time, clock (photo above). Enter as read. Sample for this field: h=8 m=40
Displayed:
h=4 m=8
